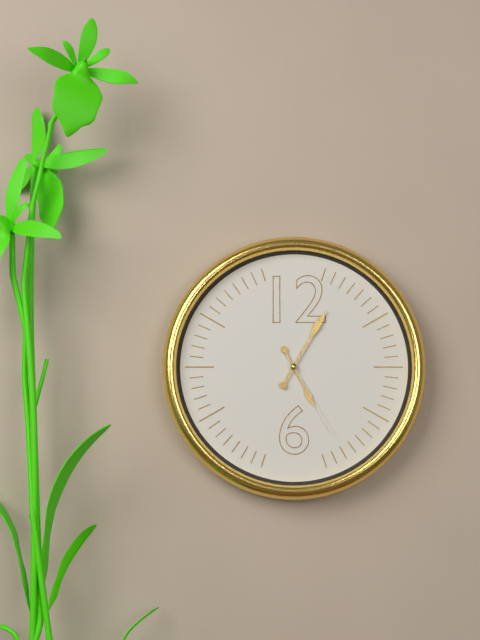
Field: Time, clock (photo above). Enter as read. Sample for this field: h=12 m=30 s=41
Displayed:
h=5 m=5 s=25
